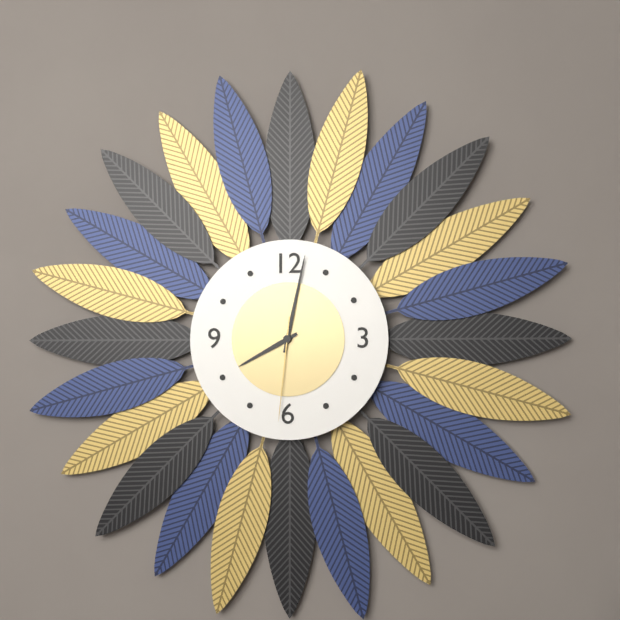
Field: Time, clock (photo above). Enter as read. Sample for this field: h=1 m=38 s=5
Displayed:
h=8 m=2 s=31
